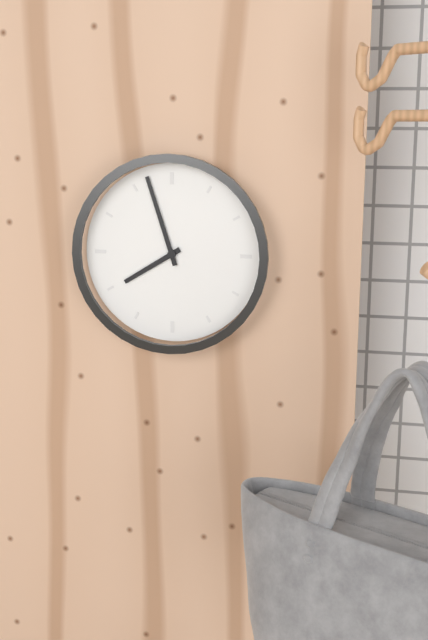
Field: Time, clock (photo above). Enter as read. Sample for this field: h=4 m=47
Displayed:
h=7 m=57
